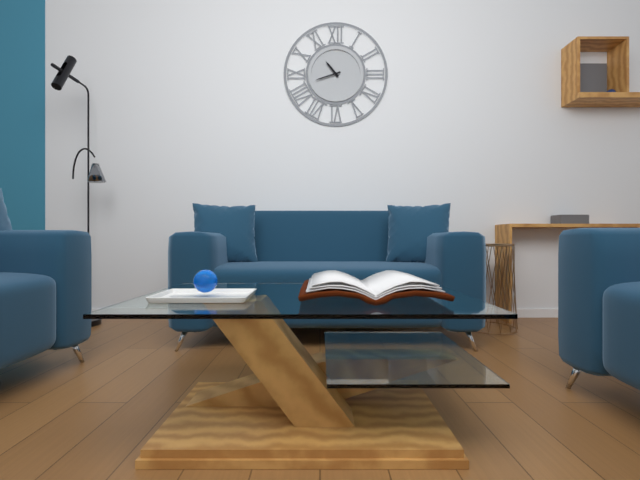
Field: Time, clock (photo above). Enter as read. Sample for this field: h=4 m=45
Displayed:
h=10 m=42
